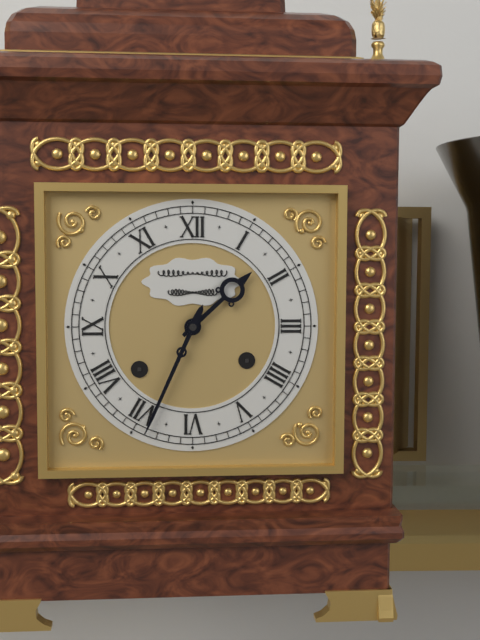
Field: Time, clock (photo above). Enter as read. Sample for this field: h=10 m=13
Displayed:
h=1 m=34
